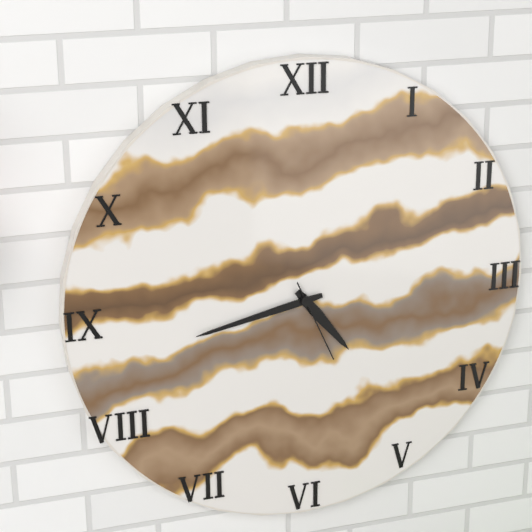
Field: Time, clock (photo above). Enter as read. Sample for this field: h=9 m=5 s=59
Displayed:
h=4 m=43 s=26
